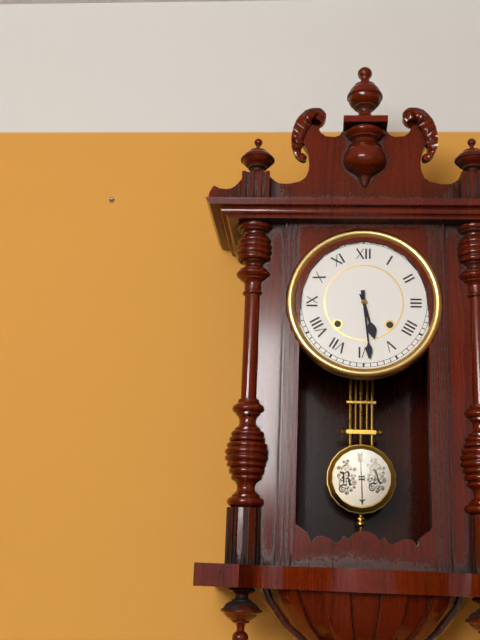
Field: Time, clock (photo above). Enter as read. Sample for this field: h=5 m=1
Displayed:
h=5 m=29
